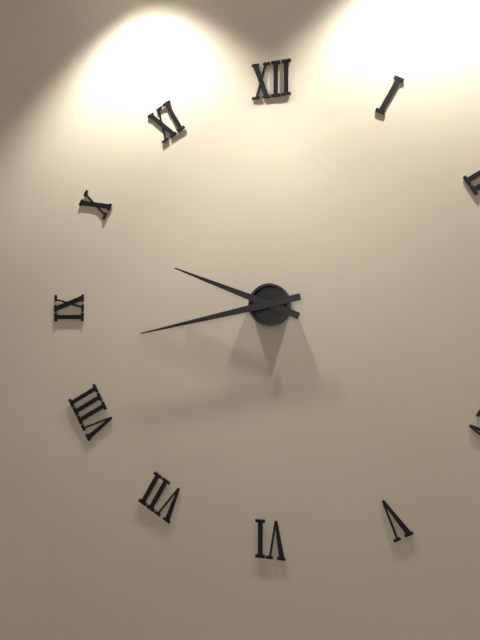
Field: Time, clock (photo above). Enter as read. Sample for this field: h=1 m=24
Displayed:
h=9 m=43
